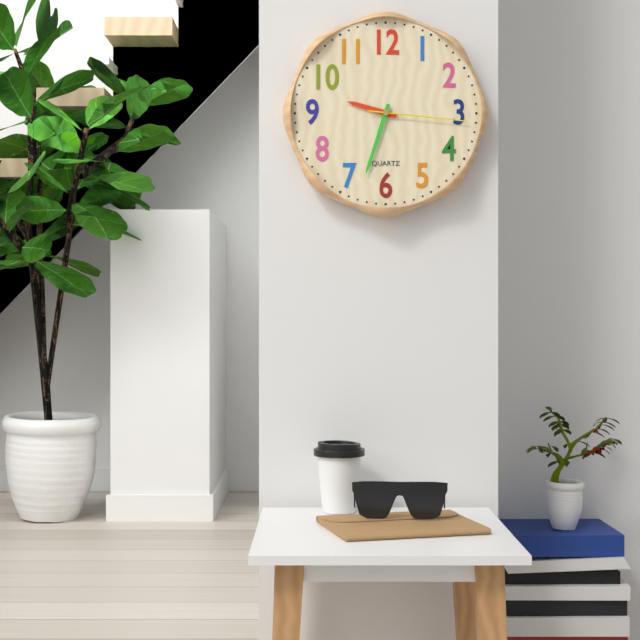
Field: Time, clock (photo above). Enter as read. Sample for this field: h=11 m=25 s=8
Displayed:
h=9 m=33 s=16
